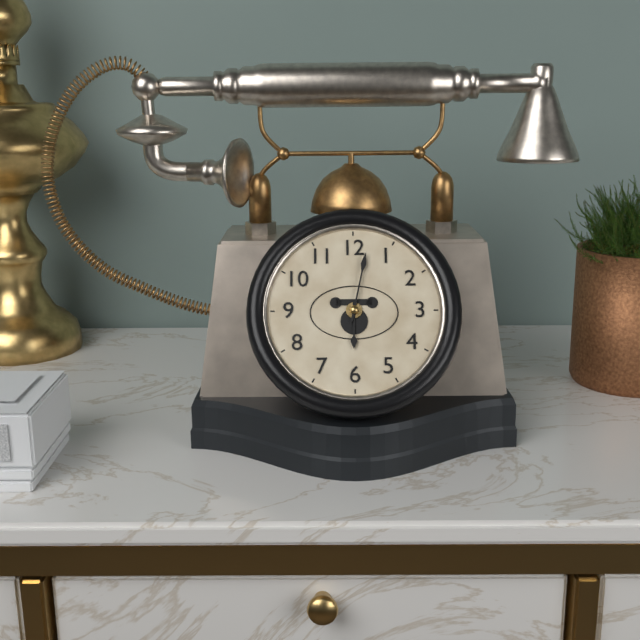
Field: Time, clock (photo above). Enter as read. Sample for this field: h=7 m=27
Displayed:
h=6 m=2
